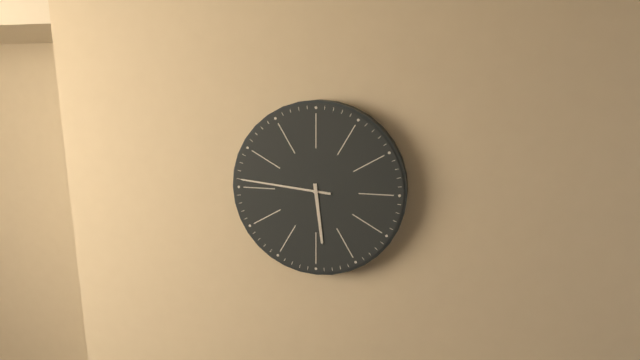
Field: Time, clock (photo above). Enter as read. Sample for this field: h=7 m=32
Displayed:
h=5 m=46
